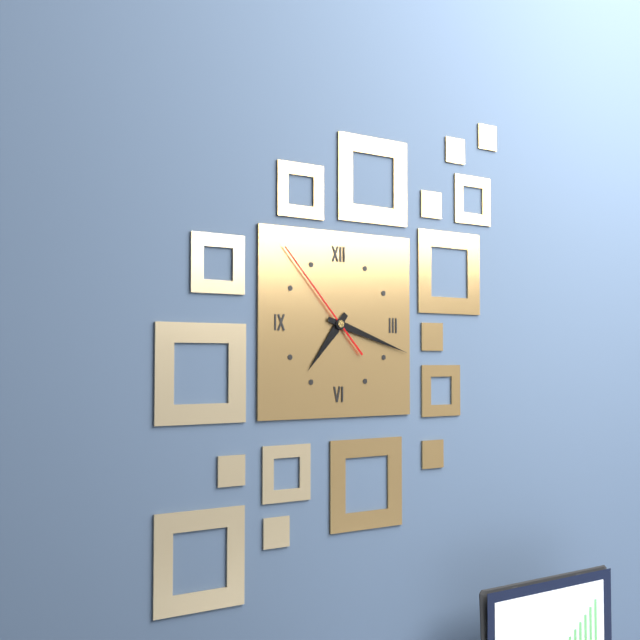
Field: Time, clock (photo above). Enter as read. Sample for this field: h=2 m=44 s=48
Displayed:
h=7 m=18 s=53
